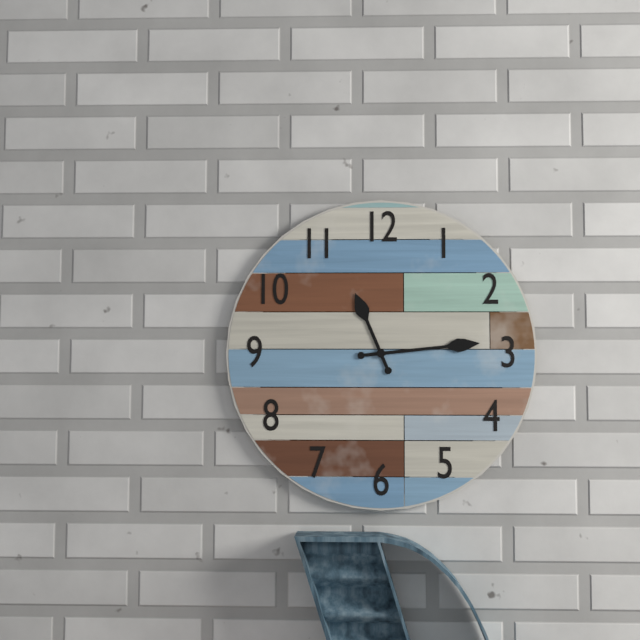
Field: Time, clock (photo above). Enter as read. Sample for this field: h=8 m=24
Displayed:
h=11 m=14
